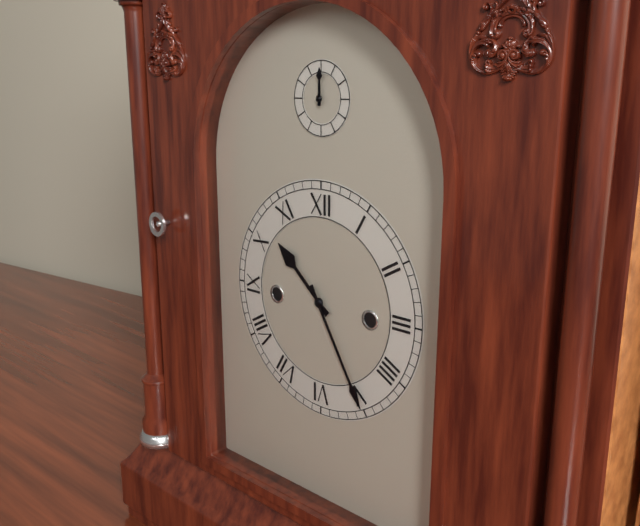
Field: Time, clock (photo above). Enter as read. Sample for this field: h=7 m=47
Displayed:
h=10 m=25
